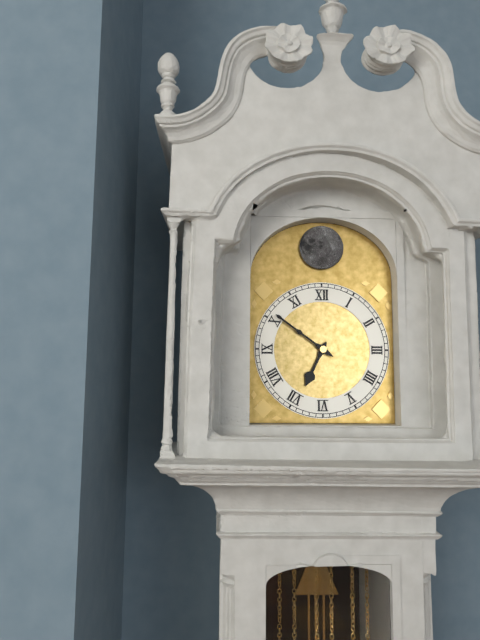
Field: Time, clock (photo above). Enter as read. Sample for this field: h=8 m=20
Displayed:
h=6 m=51
